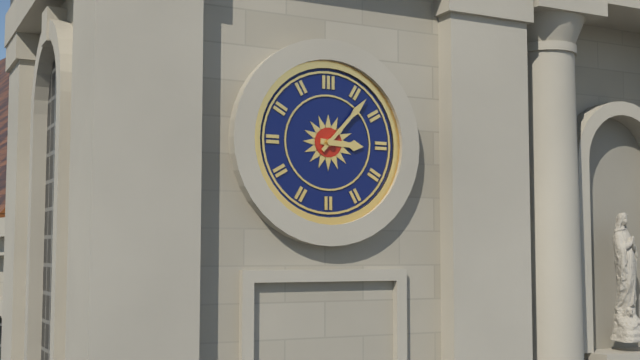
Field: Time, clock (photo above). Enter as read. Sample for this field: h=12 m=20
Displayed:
h=3 m=7
